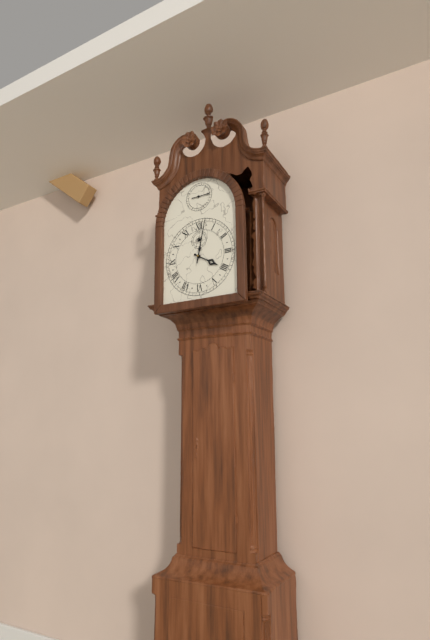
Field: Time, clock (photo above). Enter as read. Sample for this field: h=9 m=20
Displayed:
h=4 m=2
